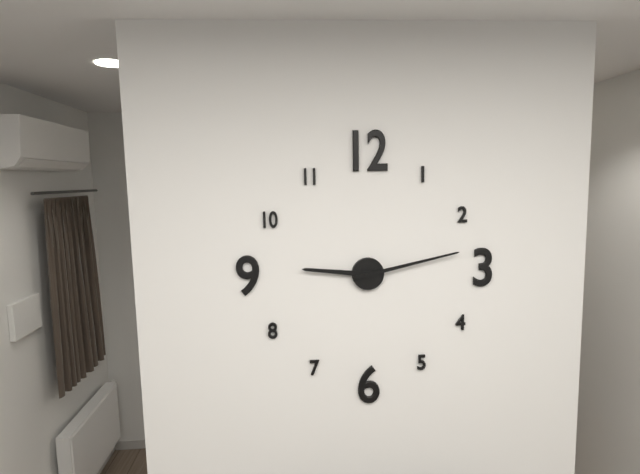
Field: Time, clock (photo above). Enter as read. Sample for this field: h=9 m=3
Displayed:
h=9 m=13
